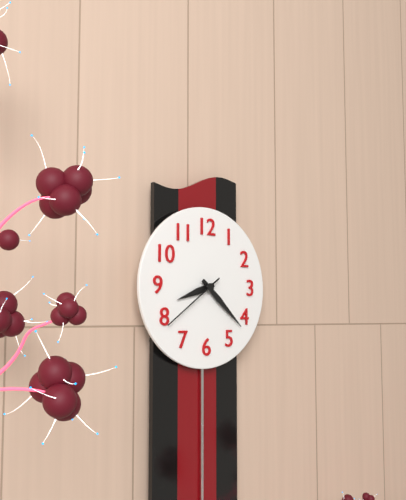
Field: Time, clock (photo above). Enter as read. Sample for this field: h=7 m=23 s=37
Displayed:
h=8 m=22 s=39
